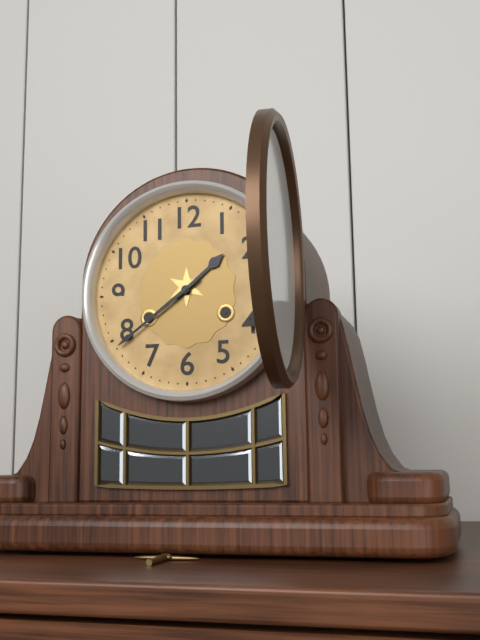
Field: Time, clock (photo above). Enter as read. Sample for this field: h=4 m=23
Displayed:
h=1 m=39
